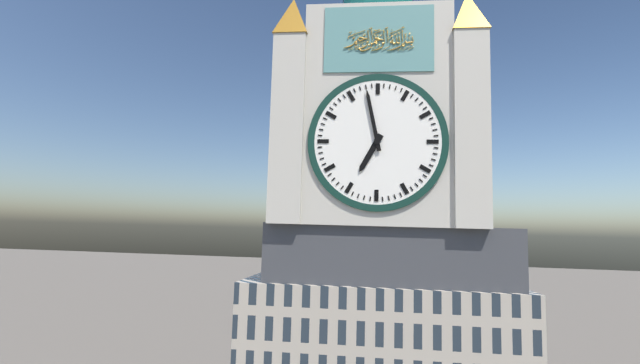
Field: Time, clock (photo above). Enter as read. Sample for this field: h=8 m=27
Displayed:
h=6 m=58
